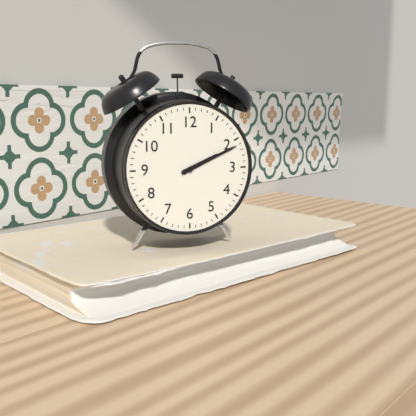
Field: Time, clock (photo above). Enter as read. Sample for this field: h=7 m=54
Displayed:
h=2 m=11
